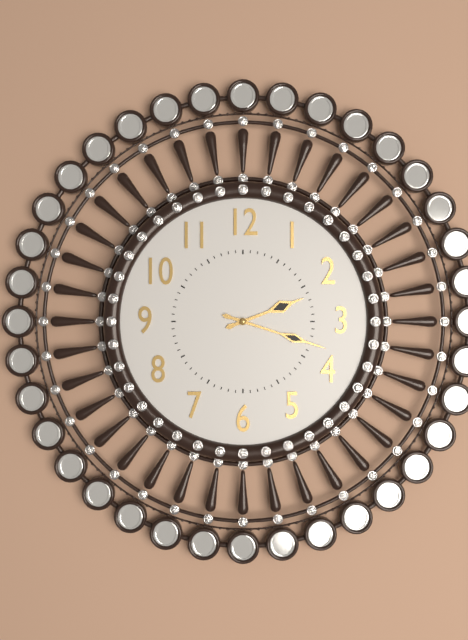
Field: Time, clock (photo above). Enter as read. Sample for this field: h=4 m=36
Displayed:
h=2 m=18
